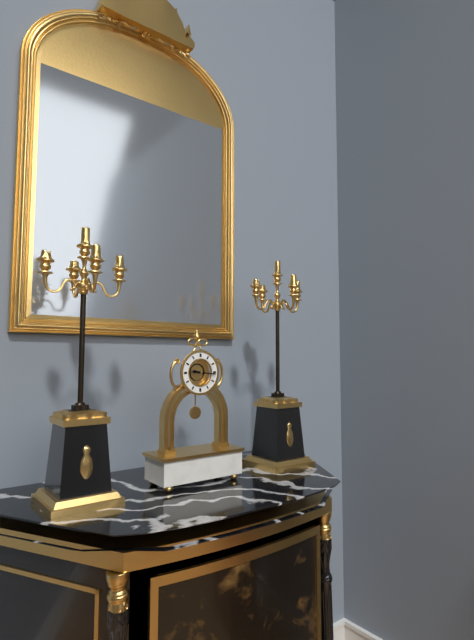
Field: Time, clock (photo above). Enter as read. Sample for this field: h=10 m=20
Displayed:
h=9 m=16
